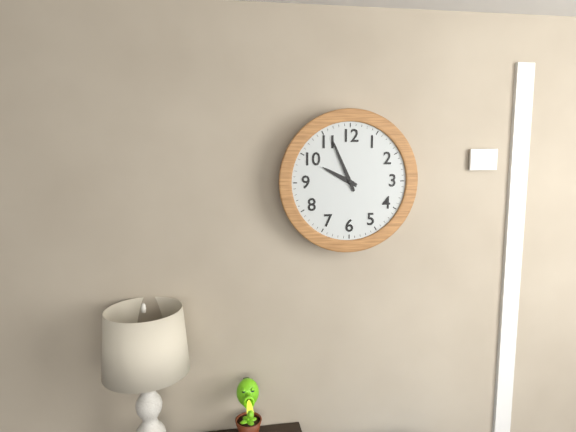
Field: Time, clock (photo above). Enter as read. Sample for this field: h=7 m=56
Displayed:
h=9 m=56
